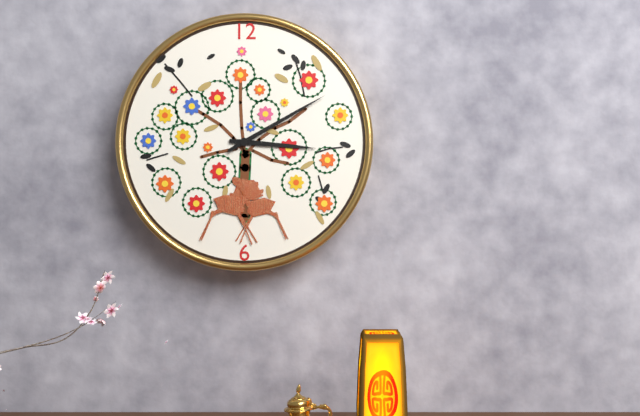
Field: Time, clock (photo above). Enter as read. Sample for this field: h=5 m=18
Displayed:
h=3 m=10
